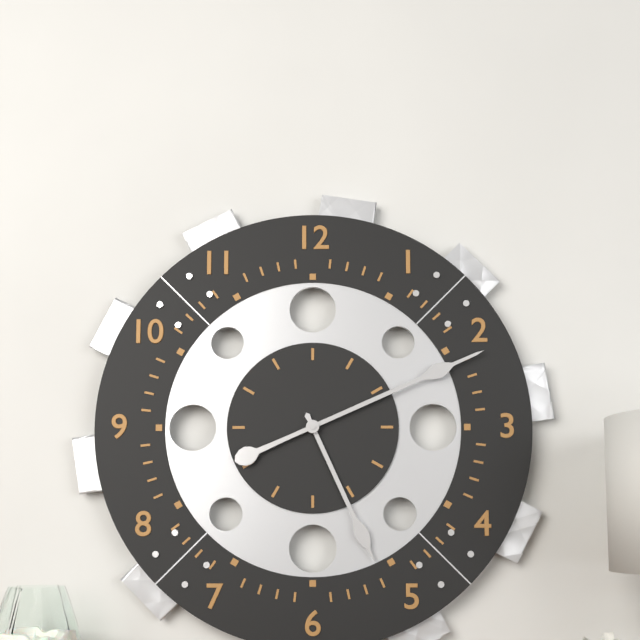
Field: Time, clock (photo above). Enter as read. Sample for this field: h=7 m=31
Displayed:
h=5 m=11
